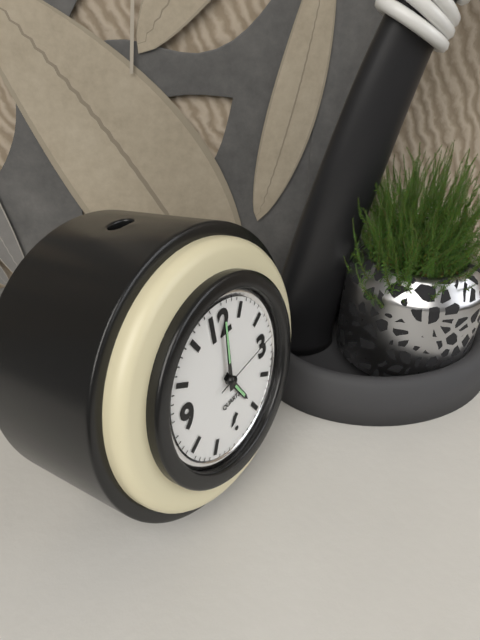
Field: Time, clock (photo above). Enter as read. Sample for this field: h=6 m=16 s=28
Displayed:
h=5 m=1 s=14
